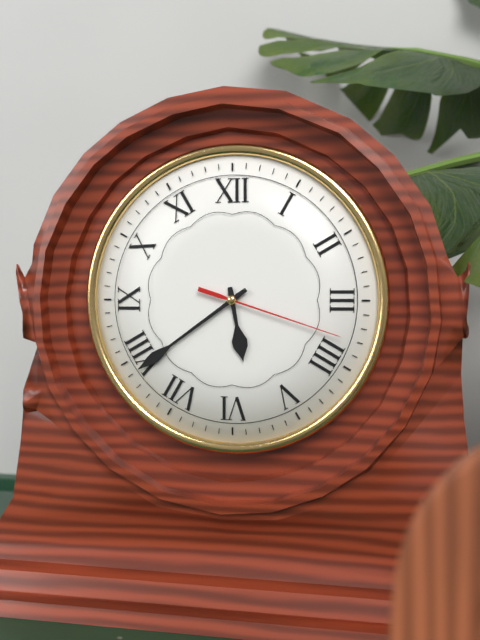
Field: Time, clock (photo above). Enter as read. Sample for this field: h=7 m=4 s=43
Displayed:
h=5 m=39 s=18
